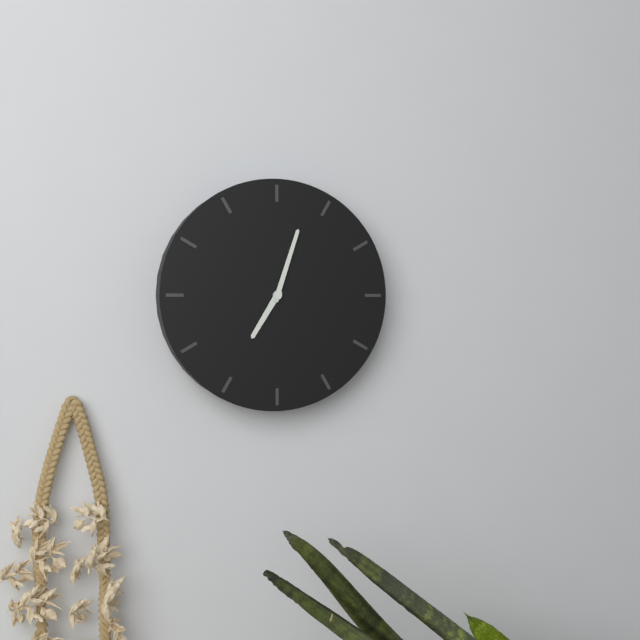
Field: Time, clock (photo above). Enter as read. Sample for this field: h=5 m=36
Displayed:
h=7 m=3
